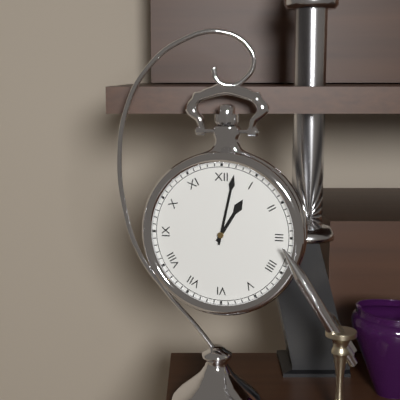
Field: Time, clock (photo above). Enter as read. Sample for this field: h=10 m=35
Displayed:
h=1 m=2
